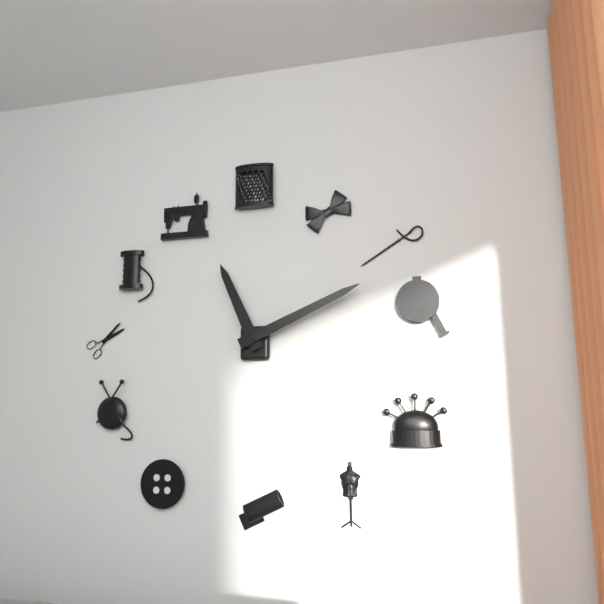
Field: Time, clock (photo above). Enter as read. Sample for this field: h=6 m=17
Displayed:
h=11 m=11
